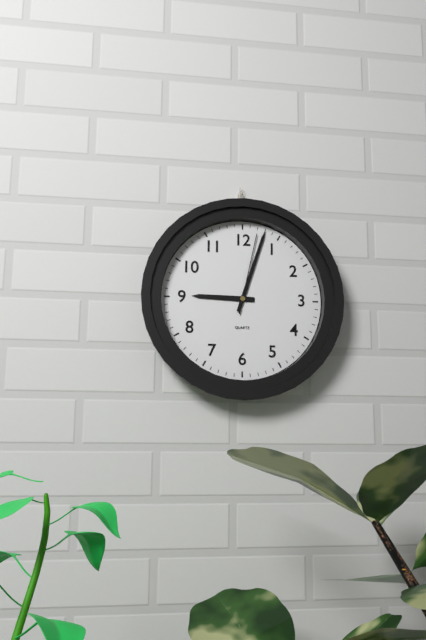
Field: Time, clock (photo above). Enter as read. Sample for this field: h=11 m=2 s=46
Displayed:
h=9 m=3 s=2
